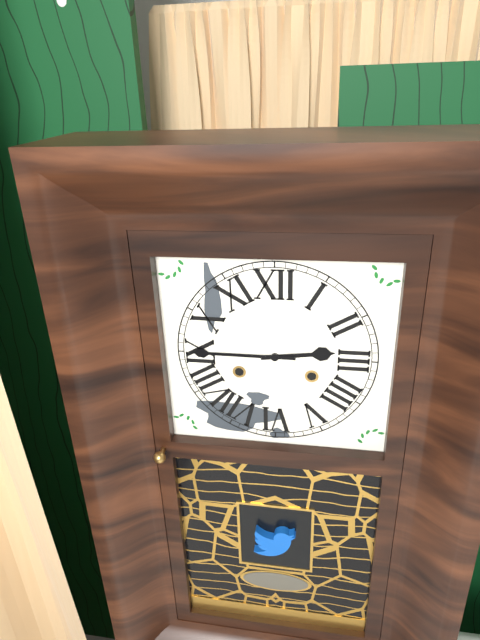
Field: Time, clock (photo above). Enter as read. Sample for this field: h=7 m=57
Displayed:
h=2 m=45
